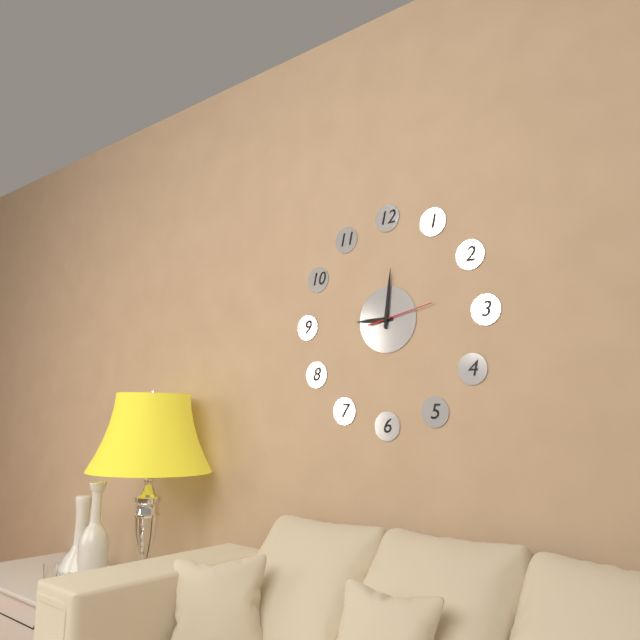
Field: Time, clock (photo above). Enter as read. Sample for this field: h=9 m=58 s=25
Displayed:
h=9 m=1 s=13
